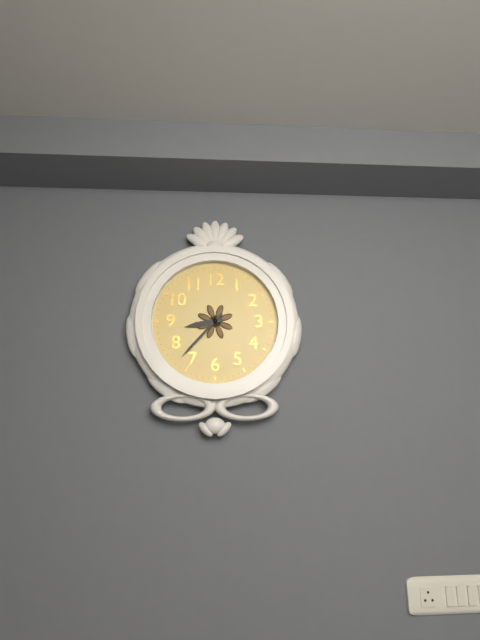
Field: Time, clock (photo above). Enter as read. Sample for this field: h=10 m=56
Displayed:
h=8 m=37
